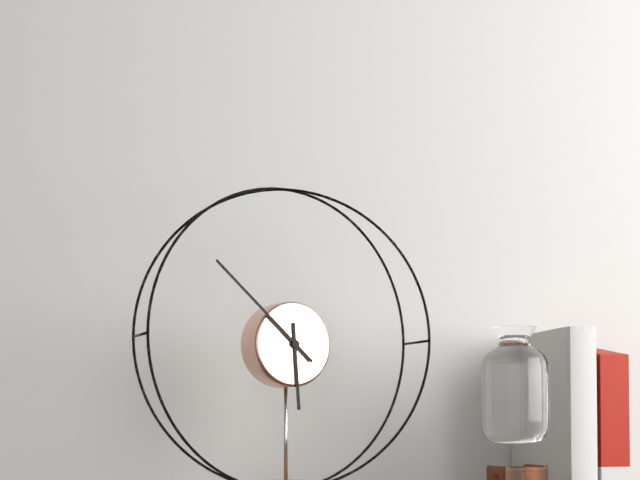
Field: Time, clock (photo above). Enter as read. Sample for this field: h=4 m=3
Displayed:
h=5 m=52
